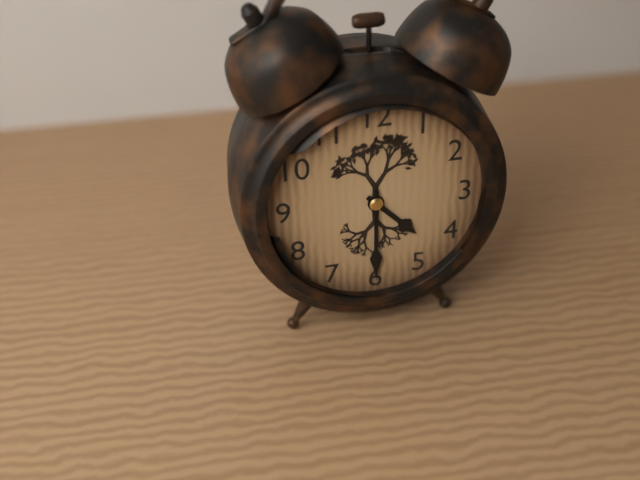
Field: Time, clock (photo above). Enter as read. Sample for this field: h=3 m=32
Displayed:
h=4 m=30
